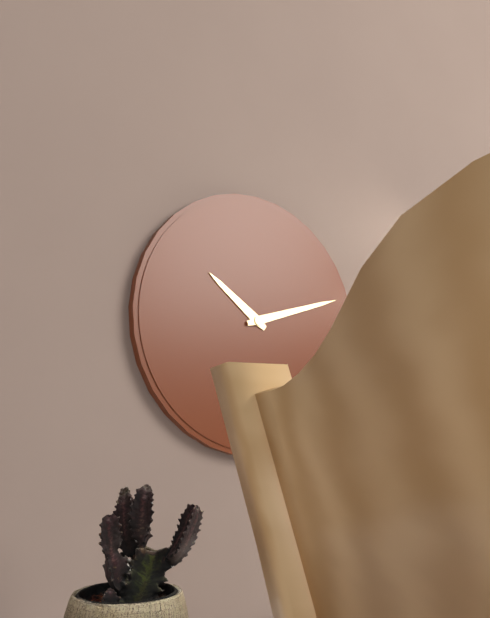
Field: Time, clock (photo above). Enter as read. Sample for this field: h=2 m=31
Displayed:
h=10 m=12
